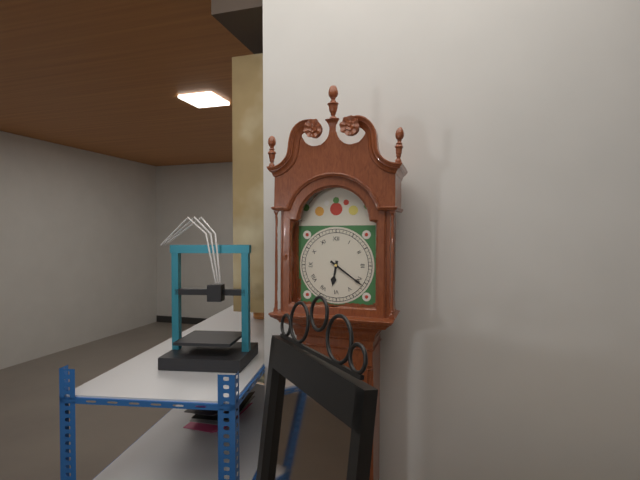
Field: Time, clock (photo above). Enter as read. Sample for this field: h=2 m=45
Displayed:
h=6 m=21
